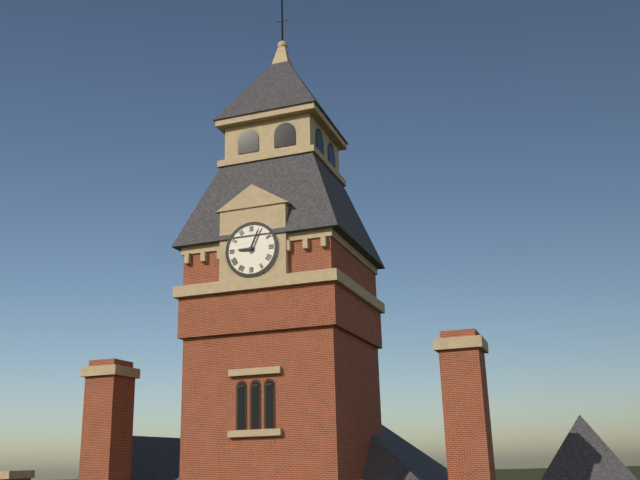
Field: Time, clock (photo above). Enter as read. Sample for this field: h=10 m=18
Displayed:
h=9 m=4
